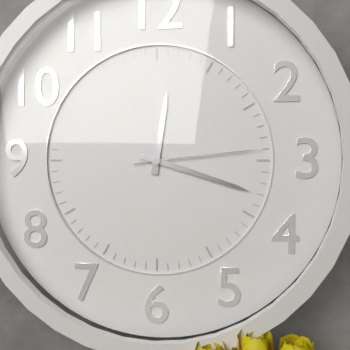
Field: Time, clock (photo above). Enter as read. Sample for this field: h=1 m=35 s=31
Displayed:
h=12 m=18 s=14
